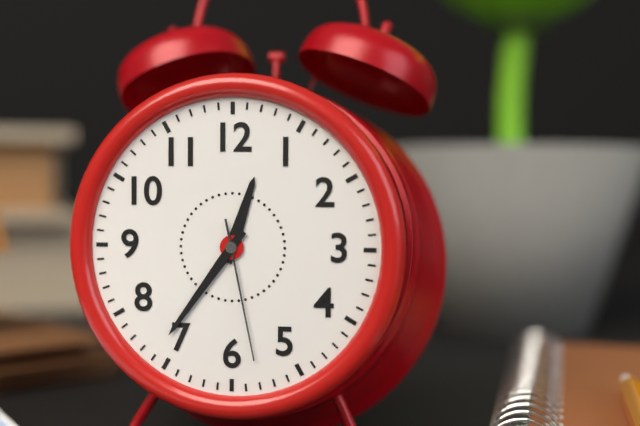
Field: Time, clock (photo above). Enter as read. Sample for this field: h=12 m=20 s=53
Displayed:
h=12 m=36 s=28
